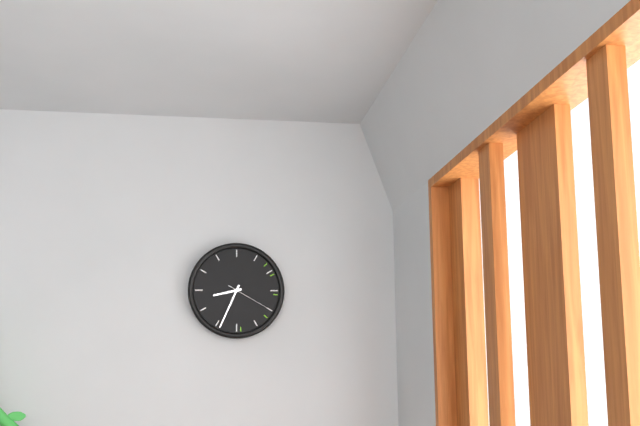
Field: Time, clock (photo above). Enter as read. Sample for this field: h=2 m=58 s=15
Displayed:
h=8 m=34 s=20
